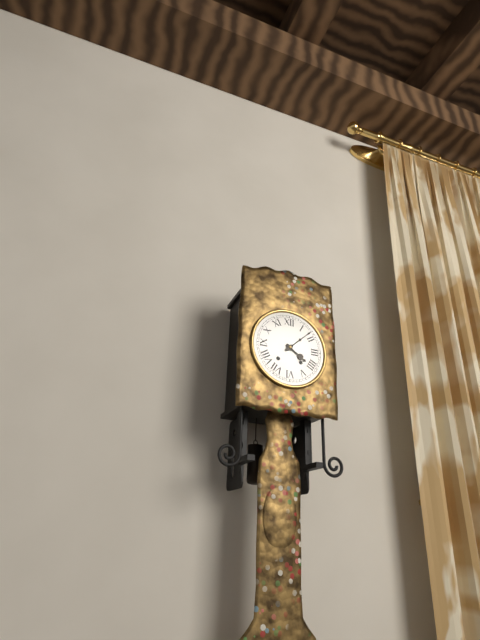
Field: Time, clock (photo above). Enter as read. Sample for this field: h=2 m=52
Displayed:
h=4 m=8
